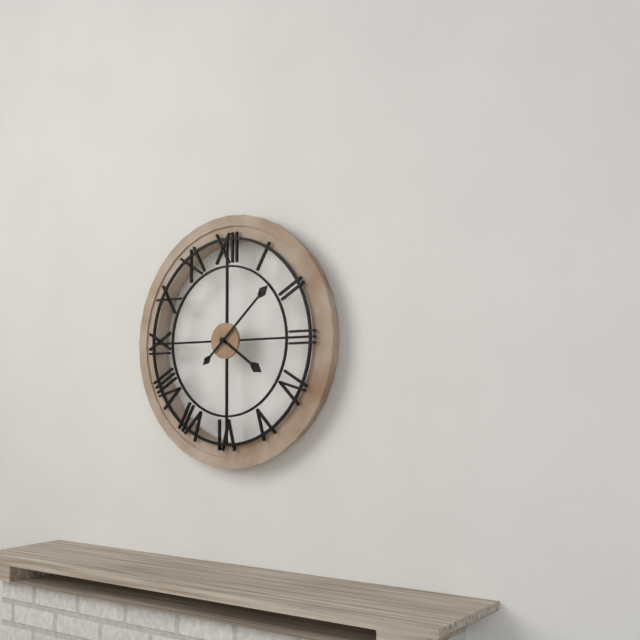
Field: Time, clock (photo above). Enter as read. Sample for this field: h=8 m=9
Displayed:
h=4 m=8
